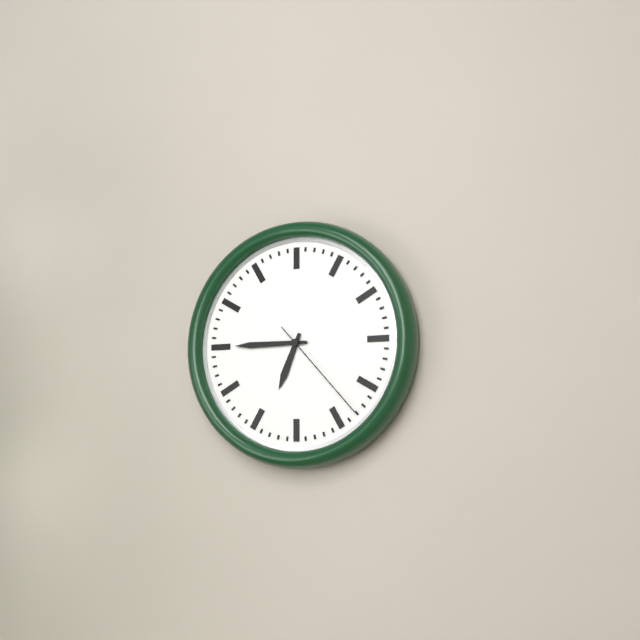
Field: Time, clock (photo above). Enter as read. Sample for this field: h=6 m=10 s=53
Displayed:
h=6 m=45 s=23
